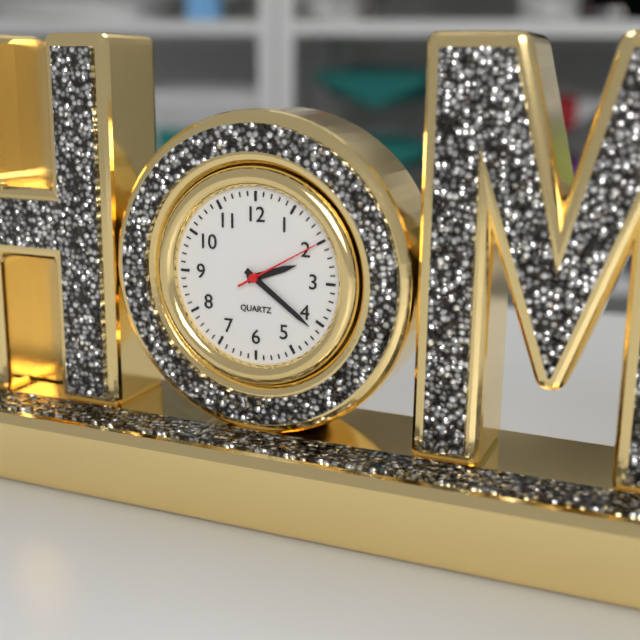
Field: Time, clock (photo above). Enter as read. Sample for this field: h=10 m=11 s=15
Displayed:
h=2 m=21 s=10
